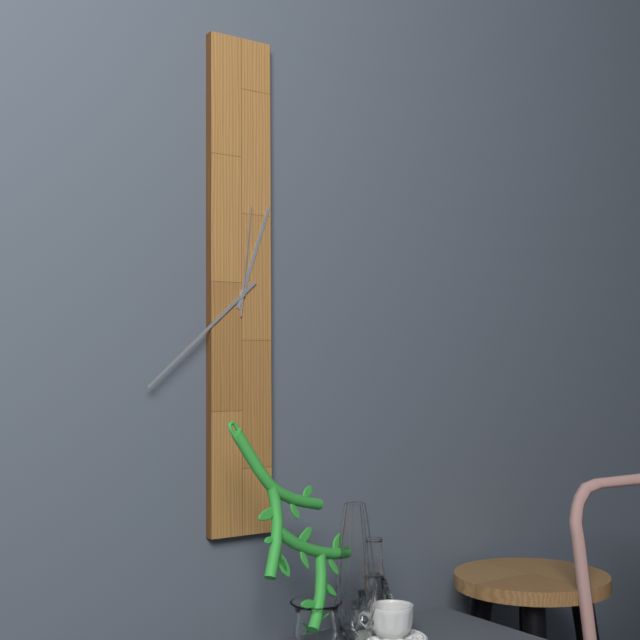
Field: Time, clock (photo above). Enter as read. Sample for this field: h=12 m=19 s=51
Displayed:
h=12 m=38 s=1
